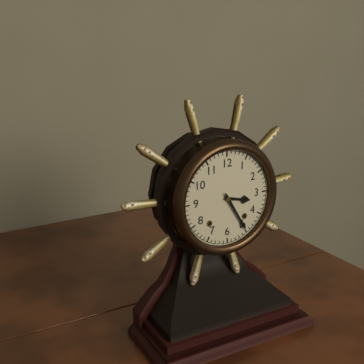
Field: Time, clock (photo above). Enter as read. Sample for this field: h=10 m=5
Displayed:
h=3 m=25
